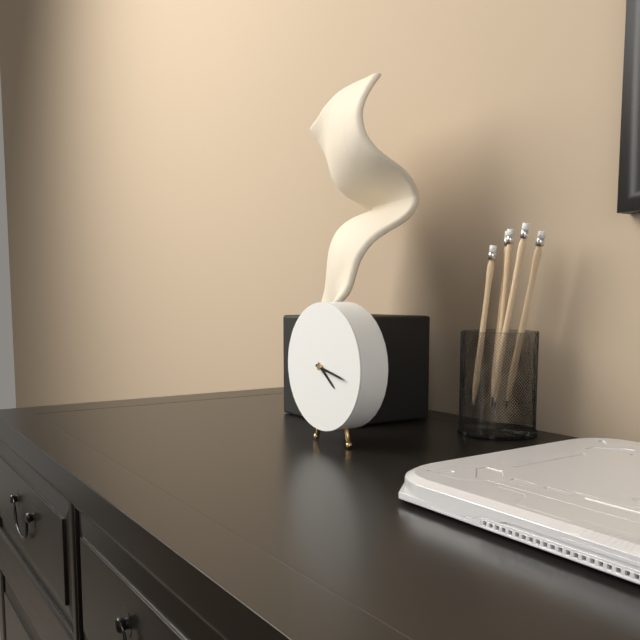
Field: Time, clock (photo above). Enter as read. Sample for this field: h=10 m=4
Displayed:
h=4 m=17
